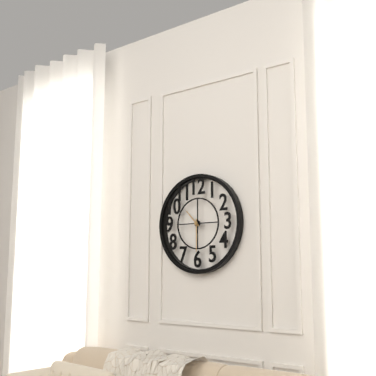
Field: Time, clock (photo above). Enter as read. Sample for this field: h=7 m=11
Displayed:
h=10 m=30
